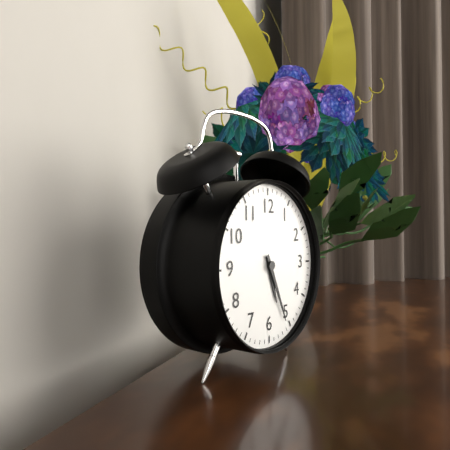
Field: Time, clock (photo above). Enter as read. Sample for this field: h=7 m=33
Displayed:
h=5 m=26
